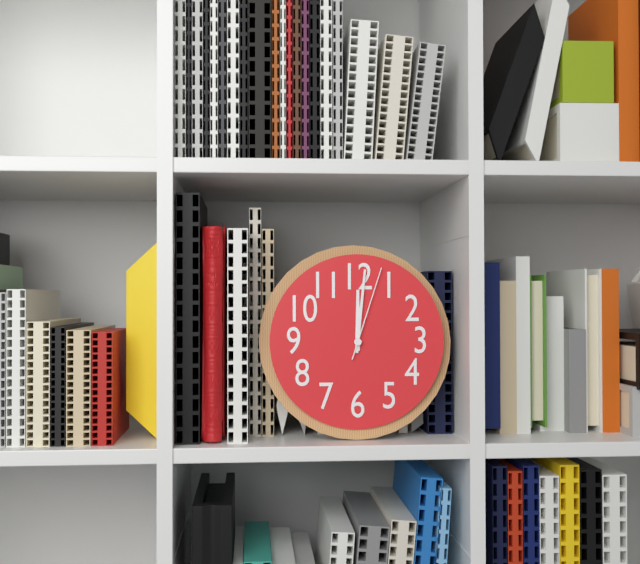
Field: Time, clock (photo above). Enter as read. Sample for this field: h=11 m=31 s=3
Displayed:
h=12 m=1 s=3
